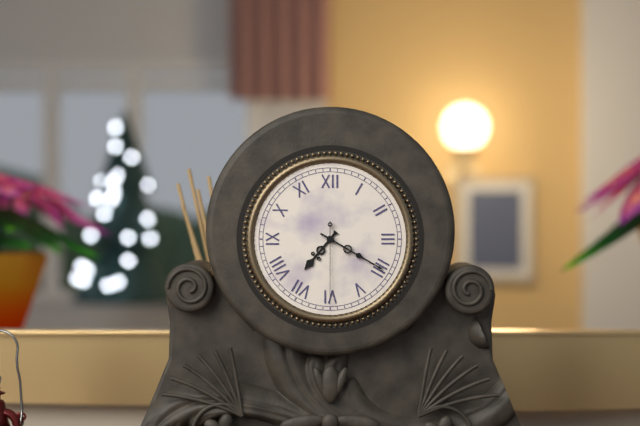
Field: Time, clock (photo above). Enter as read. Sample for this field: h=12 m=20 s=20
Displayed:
h=7 m=20 s=30
